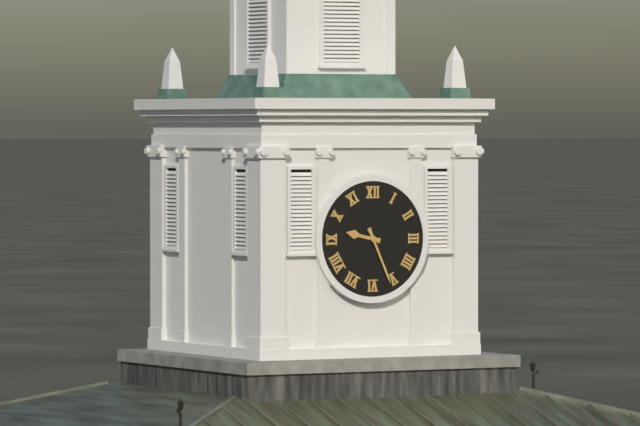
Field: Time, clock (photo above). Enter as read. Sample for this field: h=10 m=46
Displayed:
h=9 m=26
